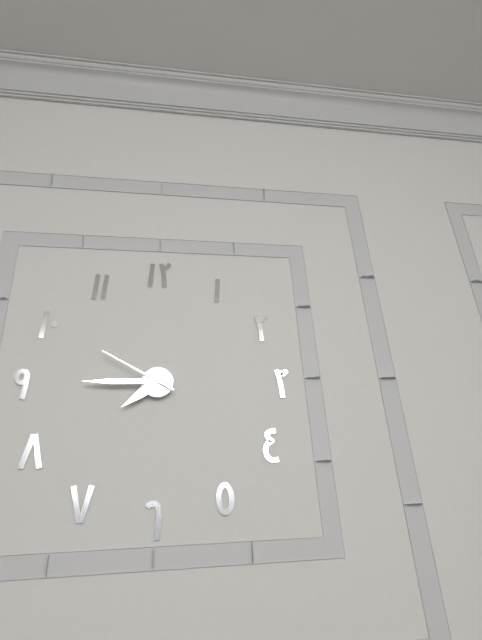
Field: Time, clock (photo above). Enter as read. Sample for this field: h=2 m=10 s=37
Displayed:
h=7 m=45 s=50
